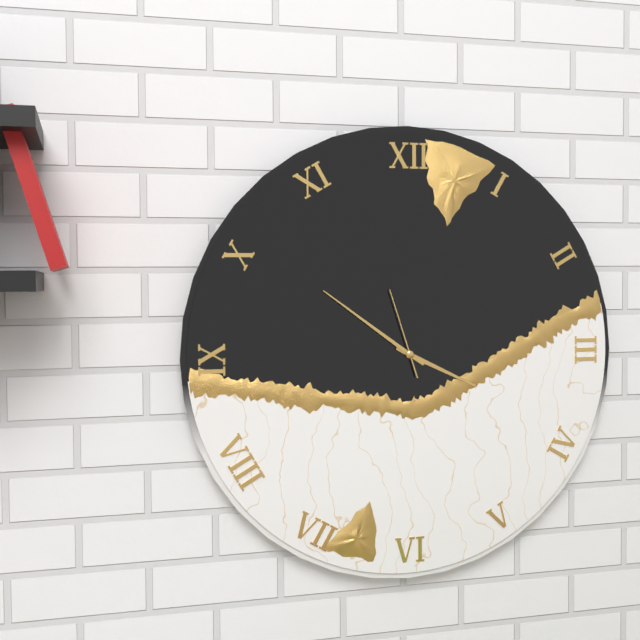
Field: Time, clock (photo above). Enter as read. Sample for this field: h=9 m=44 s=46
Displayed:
h=3 m=51 s=57
